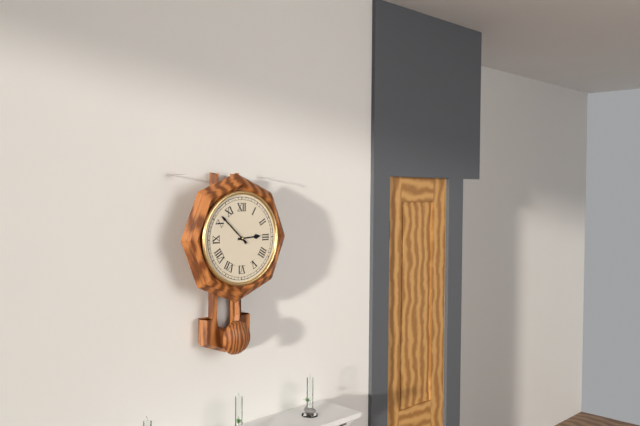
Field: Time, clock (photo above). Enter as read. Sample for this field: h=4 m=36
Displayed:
h=2 m=52
